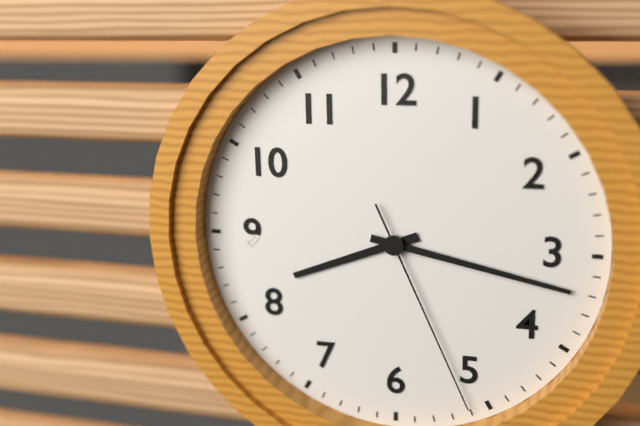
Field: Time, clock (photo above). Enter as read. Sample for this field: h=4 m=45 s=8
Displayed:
h=8 m=17 s=26
